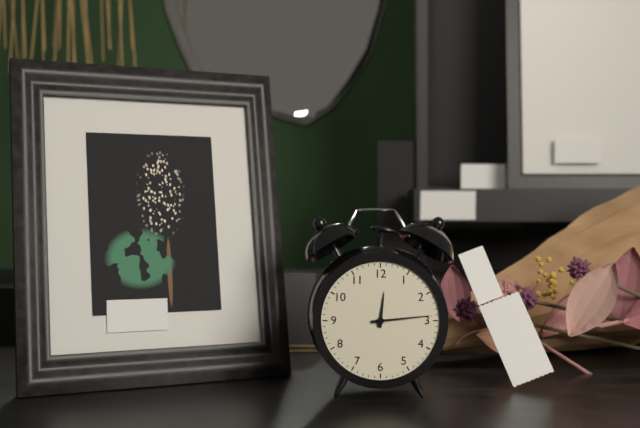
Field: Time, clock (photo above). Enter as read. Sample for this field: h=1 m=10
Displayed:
h=12 m=14
